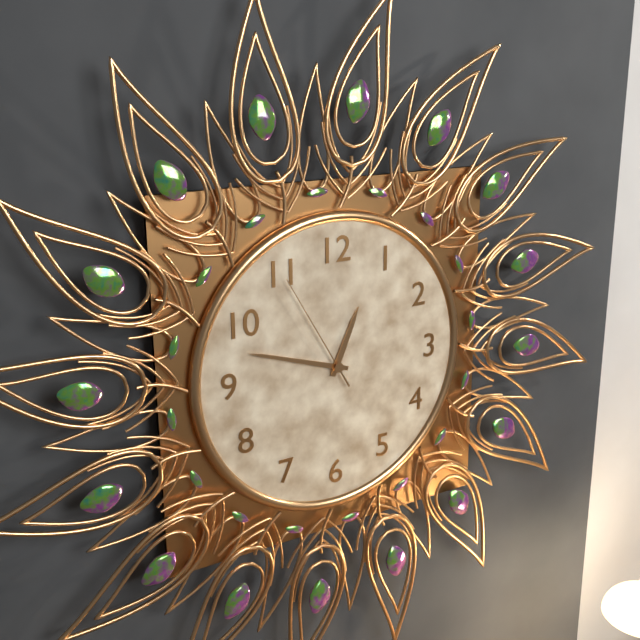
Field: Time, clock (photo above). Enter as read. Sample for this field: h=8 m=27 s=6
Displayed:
h=12 m=48 s=55
